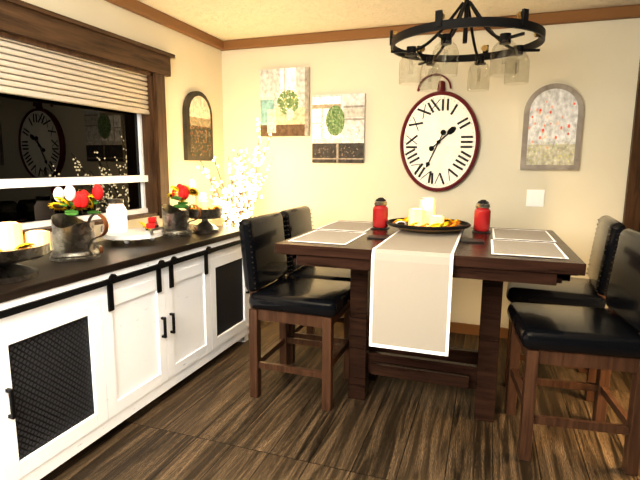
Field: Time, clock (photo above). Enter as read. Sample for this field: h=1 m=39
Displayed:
h=1 m=34
